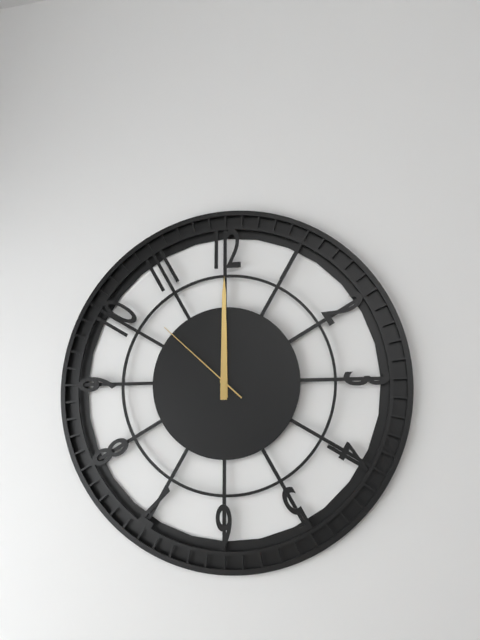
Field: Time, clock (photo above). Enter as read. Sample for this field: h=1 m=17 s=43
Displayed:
h=12 m=0 s=52
